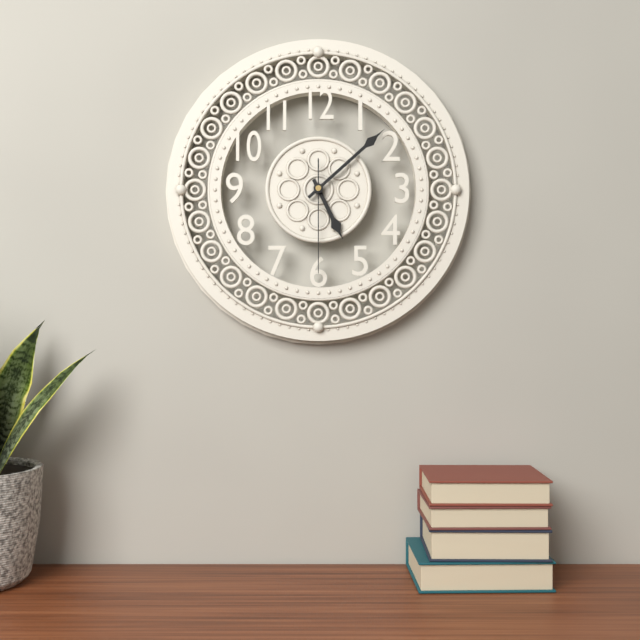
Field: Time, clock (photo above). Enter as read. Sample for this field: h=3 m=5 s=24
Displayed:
h=5 m=8 s=30
